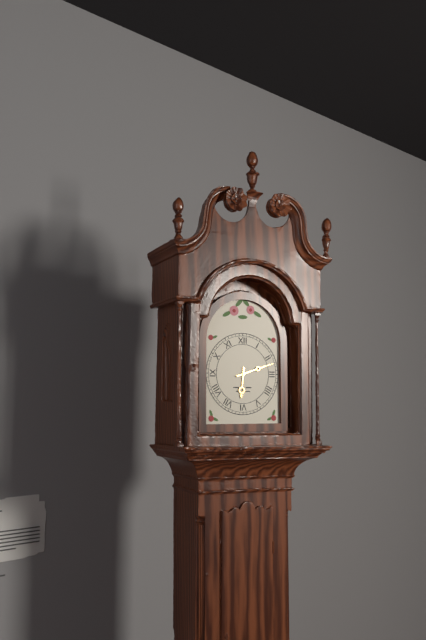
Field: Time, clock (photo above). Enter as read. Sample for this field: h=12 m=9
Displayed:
h=6 m=12
